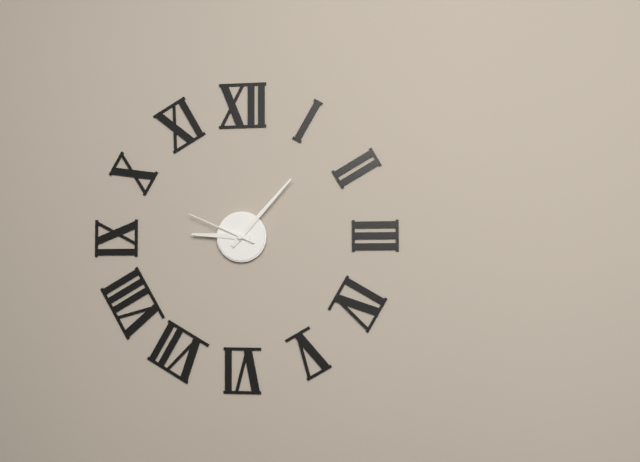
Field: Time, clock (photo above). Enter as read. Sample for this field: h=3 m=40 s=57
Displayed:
h=9 m=7 s=49
